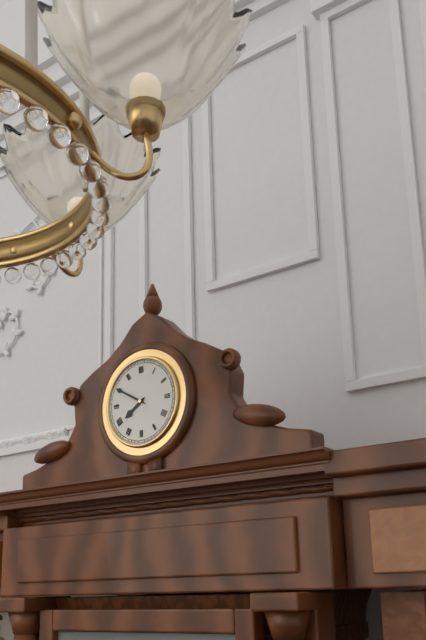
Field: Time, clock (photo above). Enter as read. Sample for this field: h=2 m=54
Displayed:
h=7 m=50
